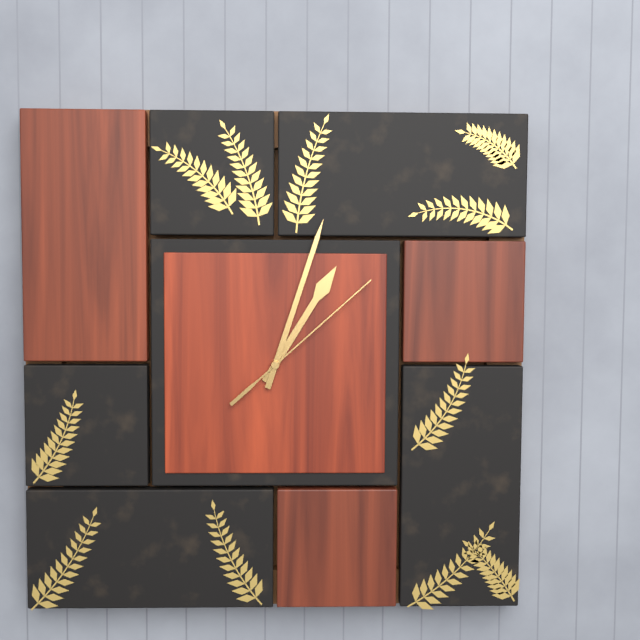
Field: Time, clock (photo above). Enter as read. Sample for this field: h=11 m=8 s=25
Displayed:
h=1 m=3 s=8
